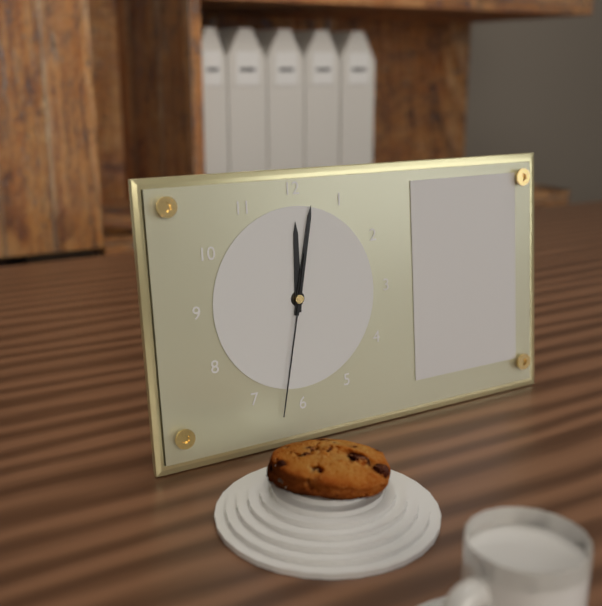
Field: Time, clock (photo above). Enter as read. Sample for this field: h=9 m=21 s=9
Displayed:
h=12 m=2 s=32
